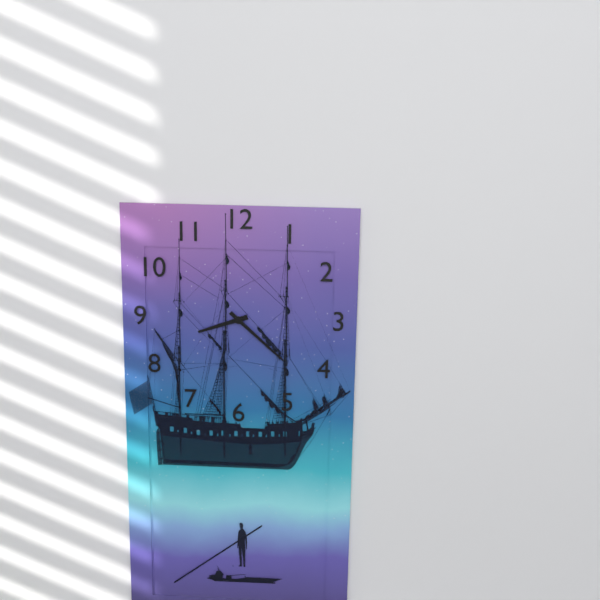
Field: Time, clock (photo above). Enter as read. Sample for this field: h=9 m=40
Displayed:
h=8 m=22
